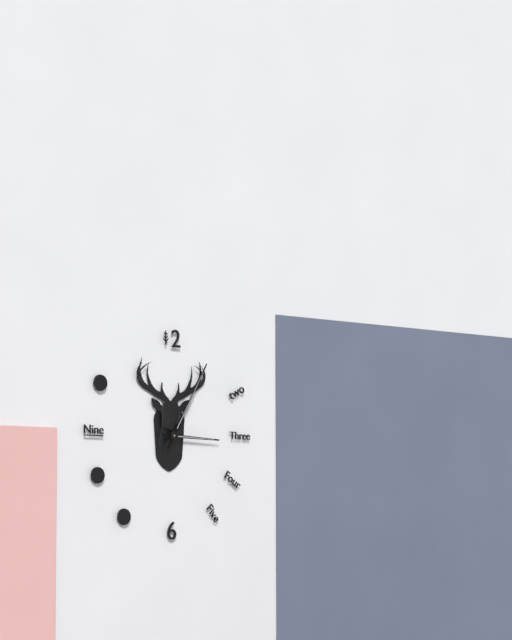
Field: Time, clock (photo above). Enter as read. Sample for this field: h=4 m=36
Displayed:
h=3 m=5
